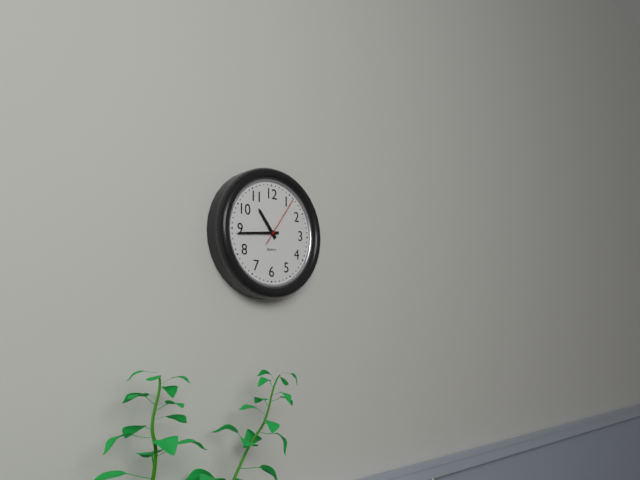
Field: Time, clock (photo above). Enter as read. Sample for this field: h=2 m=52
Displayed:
h=10 m=44
